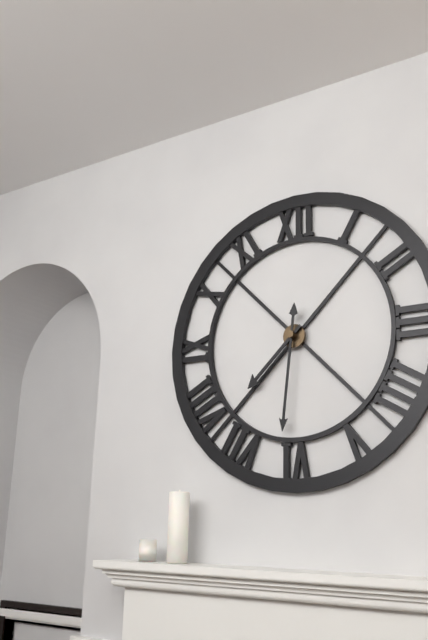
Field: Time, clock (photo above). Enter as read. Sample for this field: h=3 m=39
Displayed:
h=7 m=31
